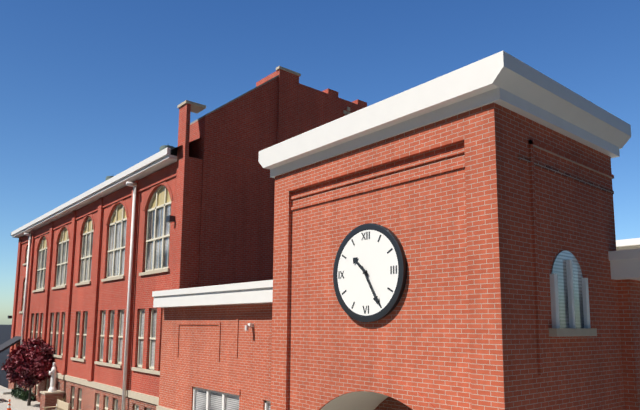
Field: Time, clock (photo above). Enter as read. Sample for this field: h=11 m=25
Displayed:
h=10 m=25
